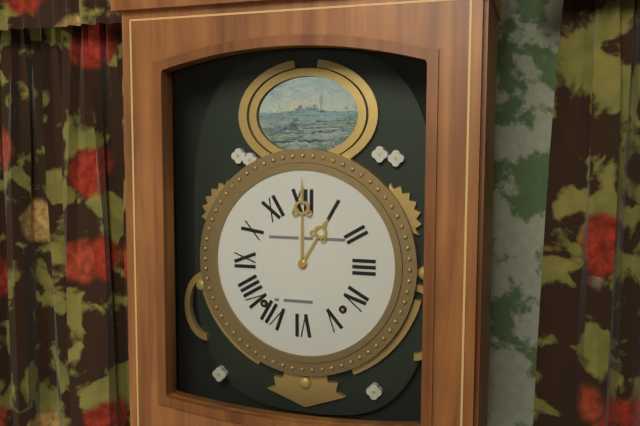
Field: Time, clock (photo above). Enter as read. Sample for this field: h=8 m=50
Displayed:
h=1 m=0
